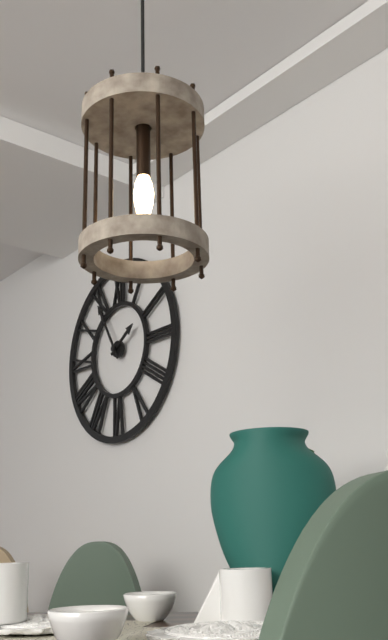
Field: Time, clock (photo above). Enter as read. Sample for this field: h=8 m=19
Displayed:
h=1 m=55
